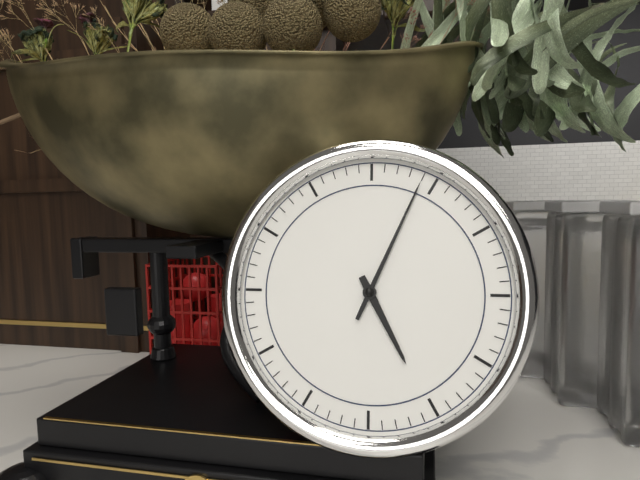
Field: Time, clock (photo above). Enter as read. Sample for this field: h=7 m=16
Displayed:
h=5 m=4
